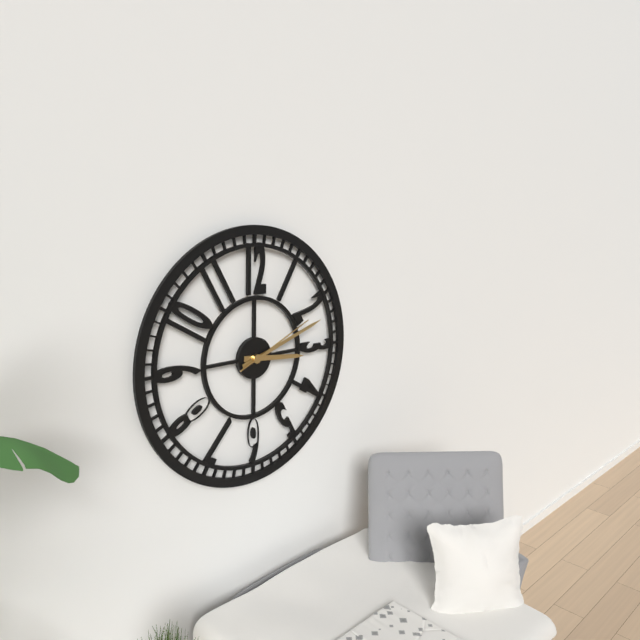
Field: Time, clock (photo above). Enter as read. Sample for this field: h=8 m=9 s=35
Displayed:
h=3 m=12 s=11
